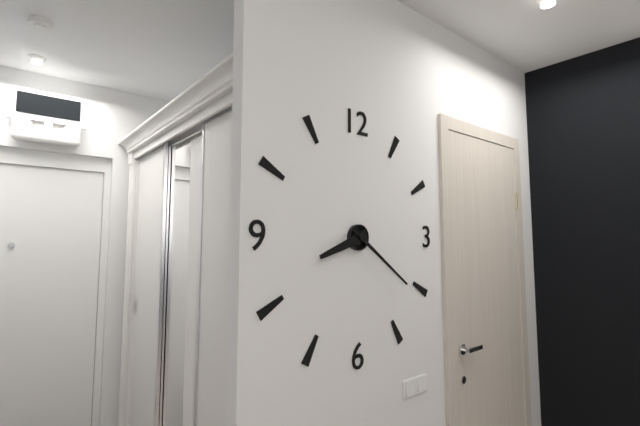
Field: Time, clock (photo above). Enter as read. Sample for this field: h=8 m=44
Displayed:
h=8 m=21
